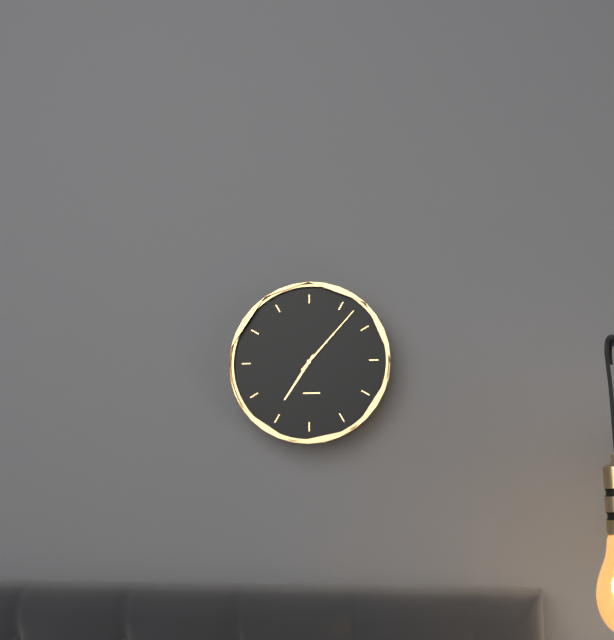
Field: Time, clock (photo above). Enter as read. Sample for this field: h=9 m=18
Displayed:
h=7 m=7
